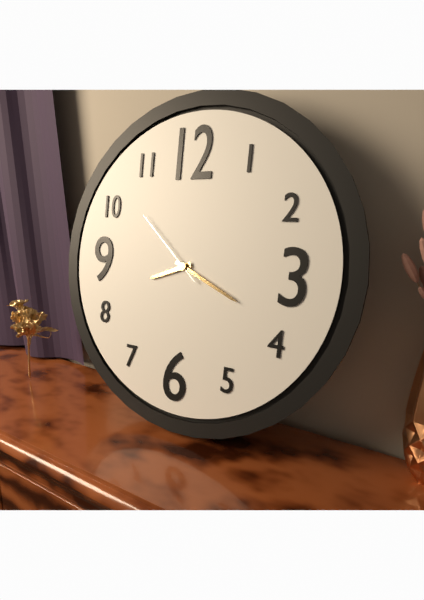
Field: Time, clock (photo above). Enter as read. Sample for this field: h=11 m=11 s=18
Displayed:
h=8 m=19 s=52
